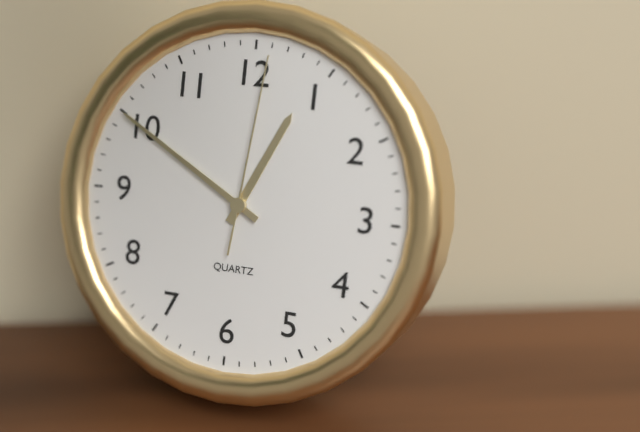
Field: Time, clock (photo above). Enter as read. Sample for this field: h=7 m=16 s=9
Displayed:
h=12 m=50 s=1
